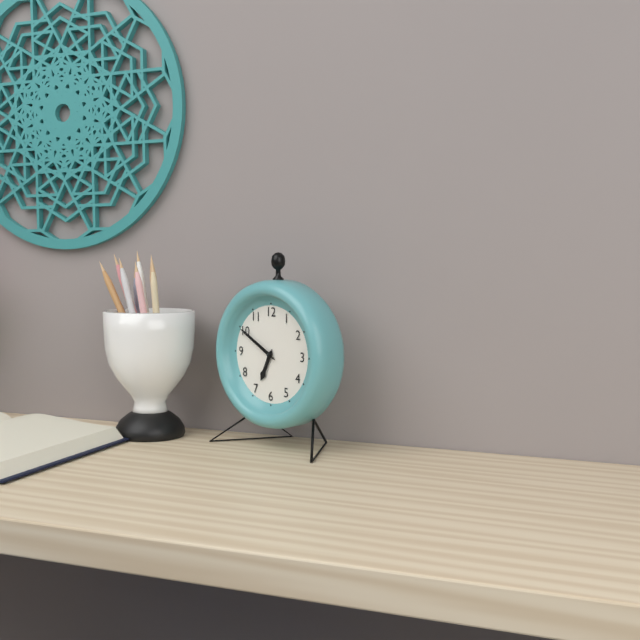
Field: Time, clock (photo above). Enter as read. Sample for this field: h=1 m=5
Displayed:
h=6 m=50
